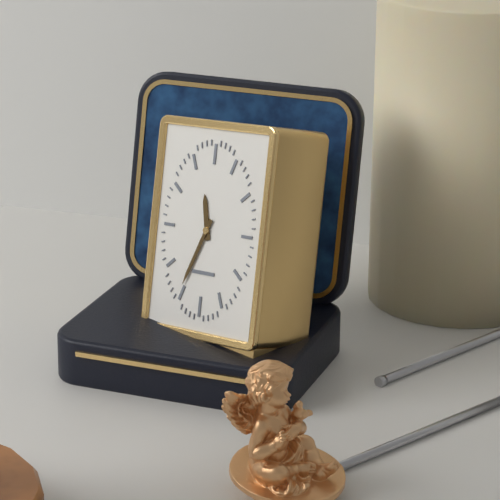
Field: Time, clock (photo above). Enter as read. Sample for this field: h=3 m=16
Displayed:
h=11 m=34
